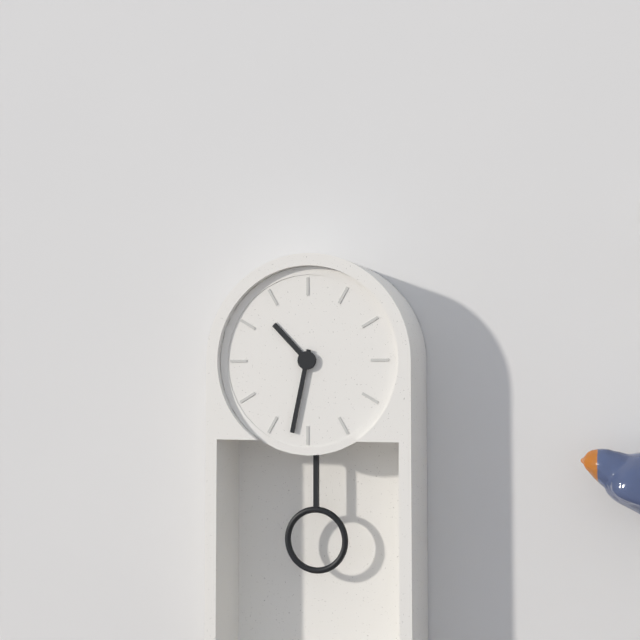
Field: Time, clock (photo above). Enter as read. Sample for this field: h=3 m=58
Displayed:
h=10 m=32
